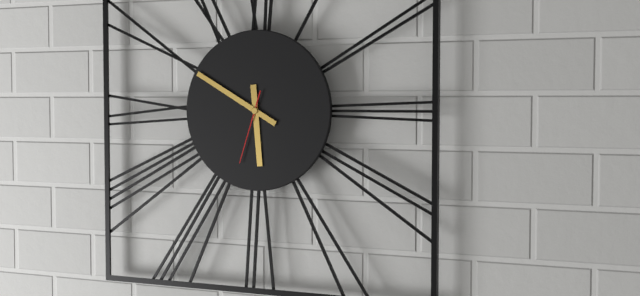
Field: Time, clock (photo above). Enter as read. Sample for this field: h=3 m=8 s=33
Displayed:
h=5 m=50 s=33
